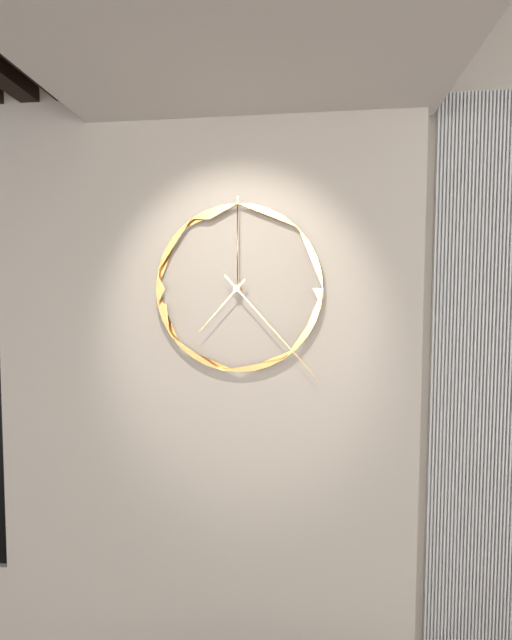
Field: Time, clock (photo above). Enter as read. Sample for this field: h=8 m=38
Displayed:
h=7 m=23
